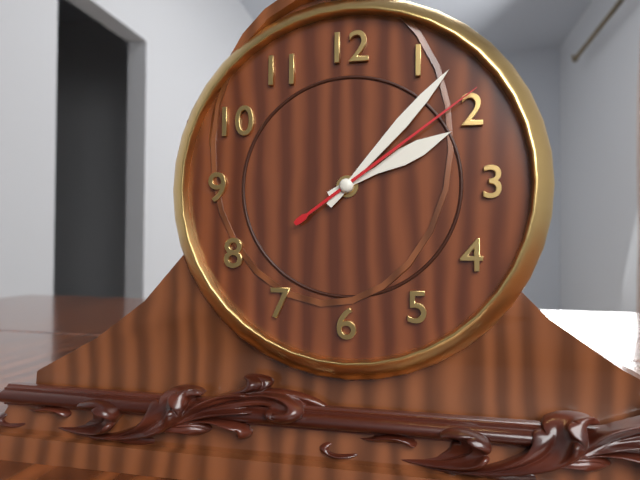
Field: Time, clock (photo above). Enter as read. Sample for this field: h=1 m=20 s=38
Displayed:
h=2 m=7 s=9
